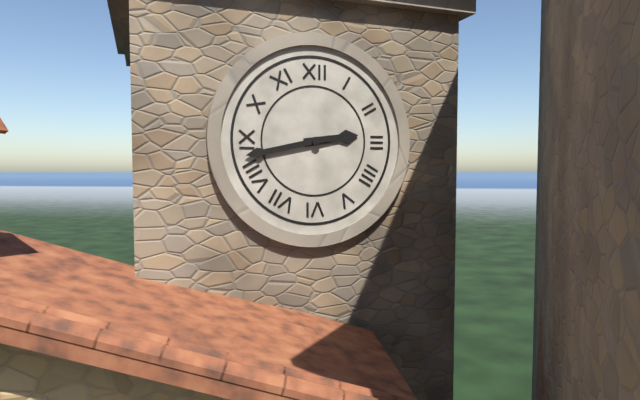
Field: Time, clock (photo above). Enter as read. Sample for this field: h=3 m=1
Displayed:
h=2 m=43
